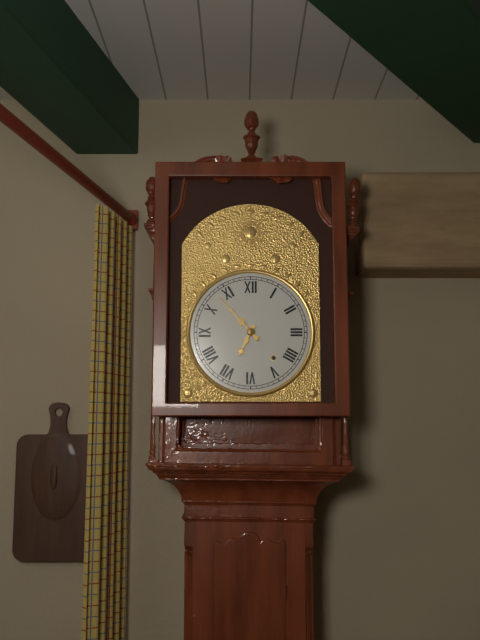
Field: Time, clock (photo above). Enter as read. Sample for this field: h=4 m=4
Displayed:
h=6 m=53
